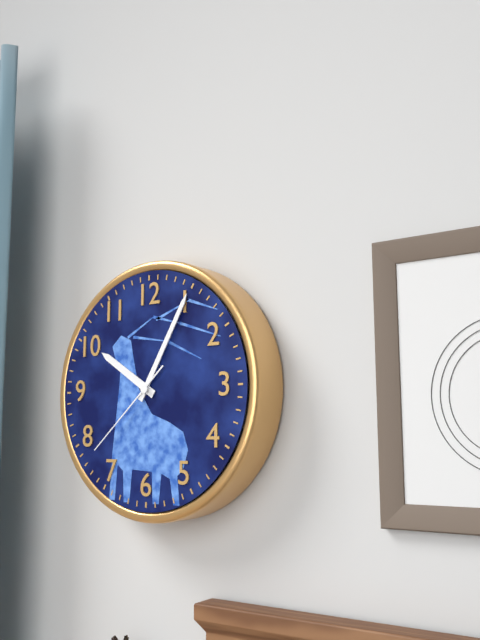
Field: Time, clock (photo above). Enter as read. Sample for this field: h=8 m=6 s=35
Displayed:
h=10 m=5 s=38
